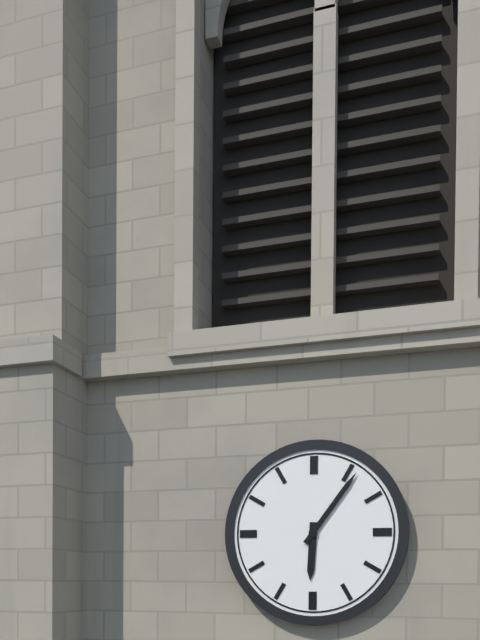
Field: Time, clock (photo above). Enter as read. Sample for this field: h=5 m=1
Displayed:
h=6 m=6
